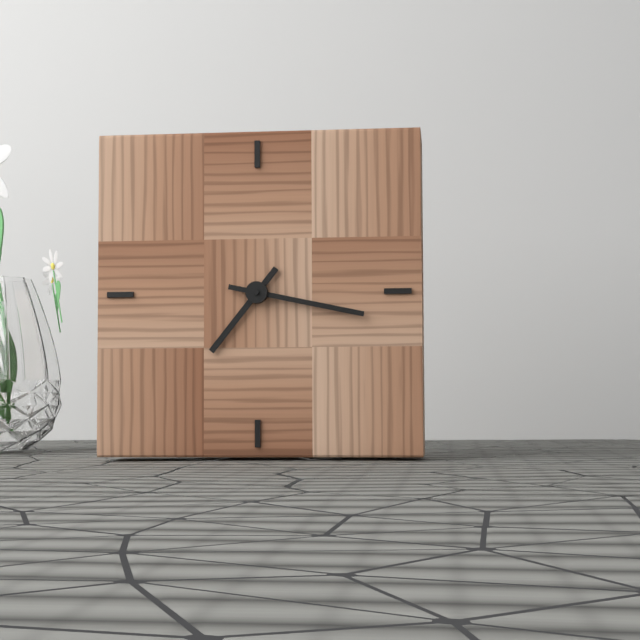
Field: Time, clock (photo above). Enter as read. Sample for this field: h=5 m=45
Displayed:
h=7 m=17
